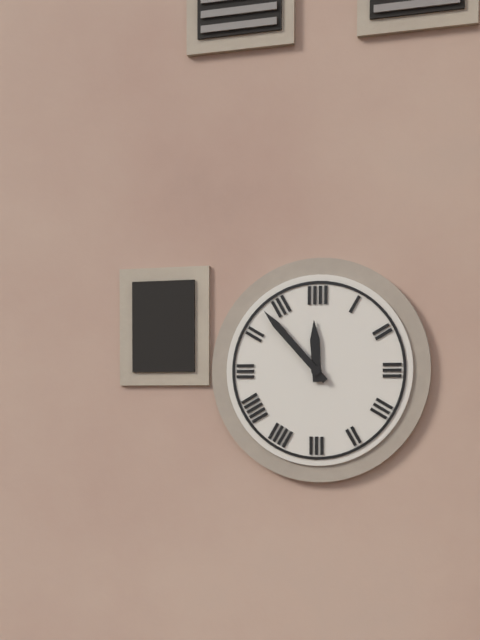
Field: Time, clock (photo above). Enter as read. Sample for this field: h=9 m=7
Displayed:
h=11 m=53
